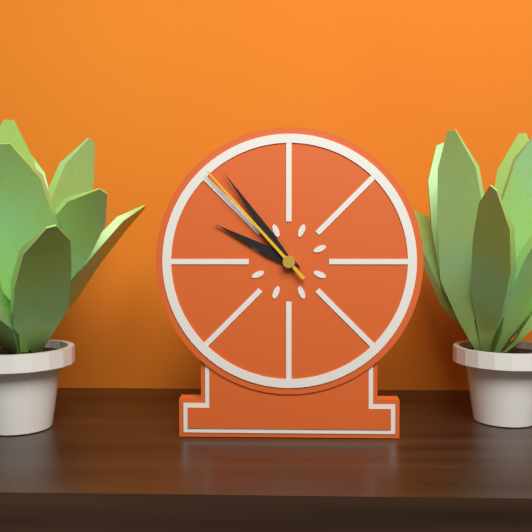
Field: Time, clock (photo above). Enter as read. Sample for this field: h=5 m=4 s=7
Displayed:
h=9 m=54 s=53
